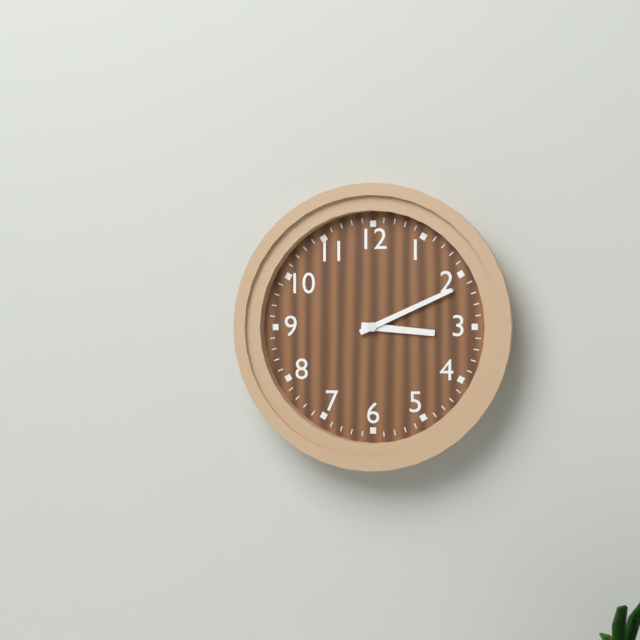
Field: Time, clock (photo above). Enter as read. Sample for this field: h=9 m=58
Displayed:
h=3 m=11
